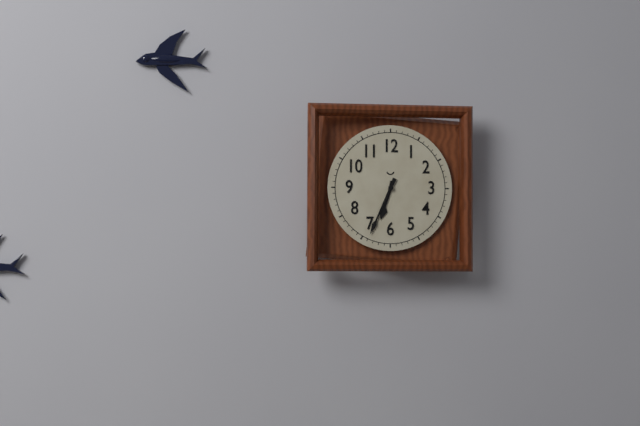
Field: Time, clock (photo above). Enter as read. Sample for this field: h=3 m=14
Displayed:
h=6 m=34
